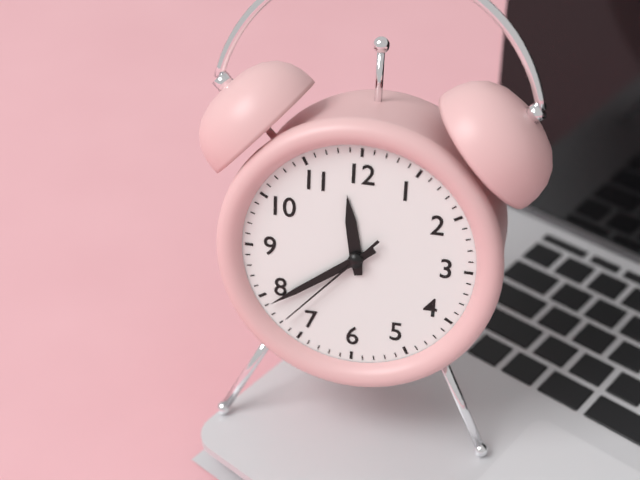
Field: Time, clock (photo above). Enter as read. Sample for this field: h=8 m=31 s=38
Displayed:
h=11 m=39 s=37
